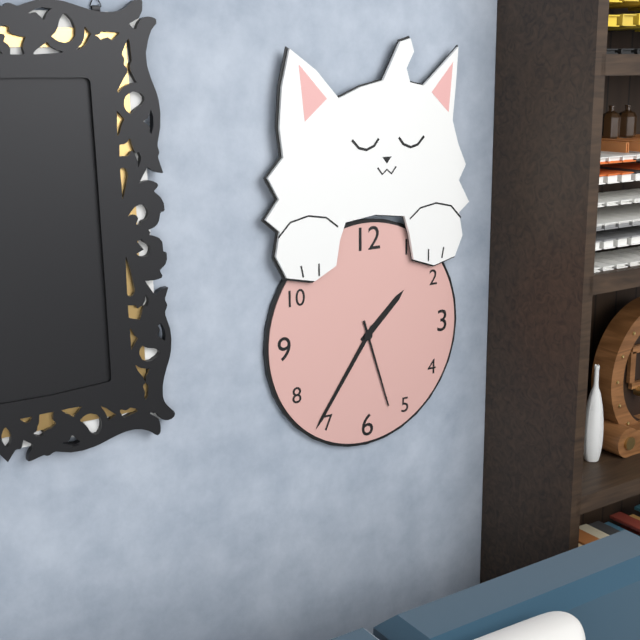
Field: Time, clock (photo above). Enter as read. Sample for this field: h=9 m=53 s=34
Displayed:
h=1 m=36 s=27
